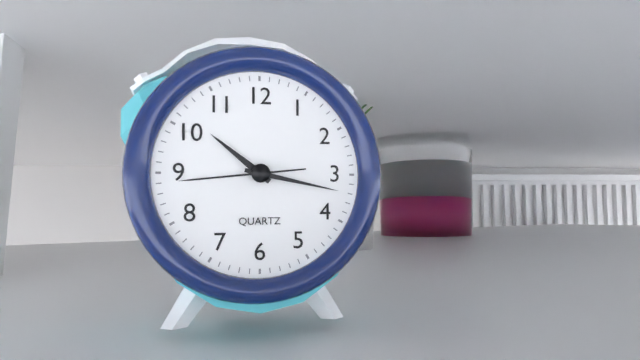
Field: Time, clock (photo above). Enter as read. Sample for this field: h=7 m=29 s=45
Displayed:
h=10 m=17 s=44
